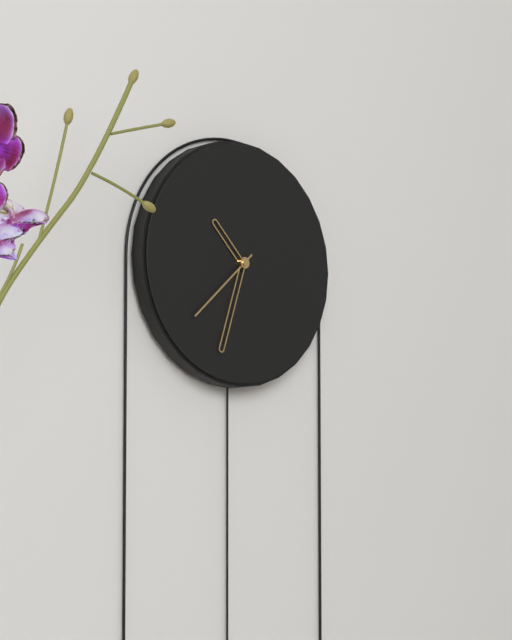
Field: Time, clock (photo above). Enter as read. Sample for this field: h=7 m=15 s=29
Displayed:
h=10 m=33 s=38
